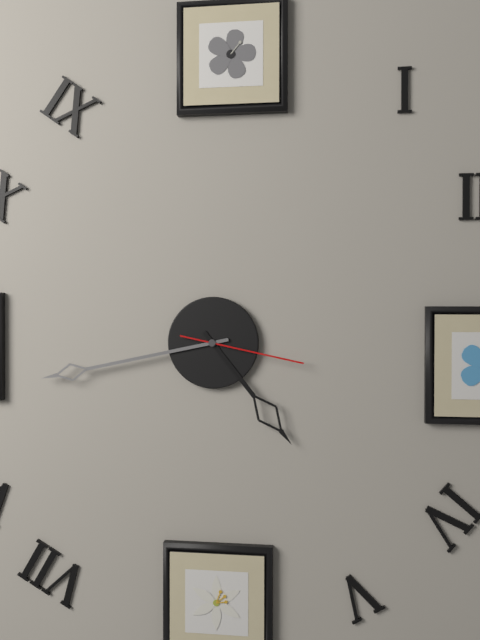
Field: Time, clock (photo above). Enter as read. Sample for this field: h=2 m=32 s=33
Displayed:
h=4 m=43 s=17
